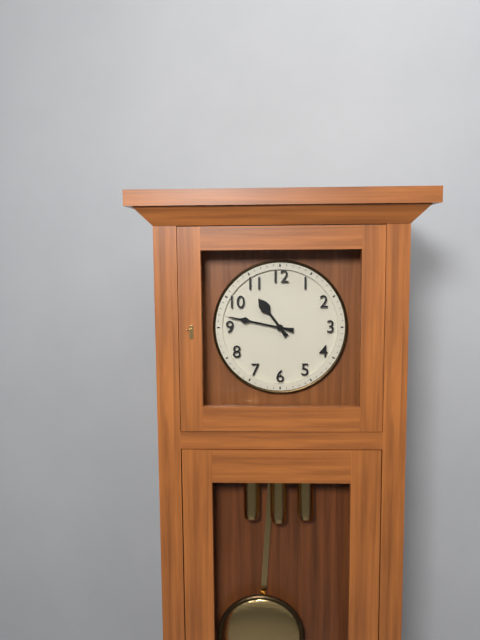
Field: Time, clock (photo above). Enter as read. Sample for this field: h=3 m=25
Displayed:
h=10 m=47
